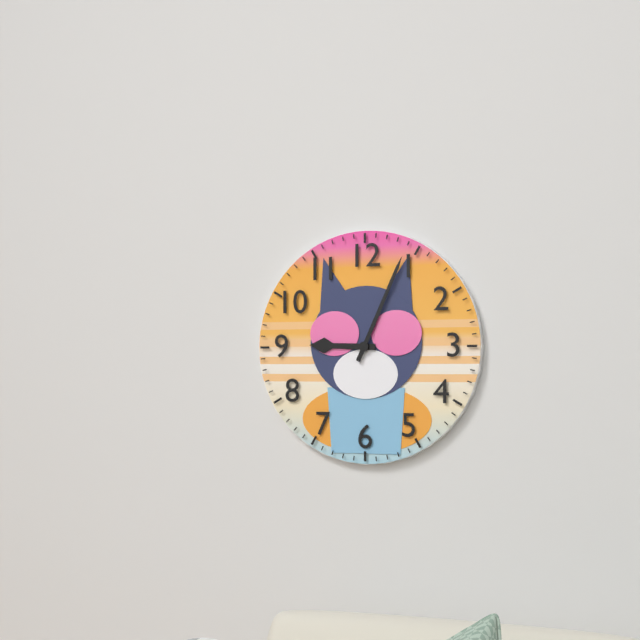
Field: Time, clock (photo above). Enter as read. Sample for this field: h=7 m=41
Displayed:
h=9 m=4
